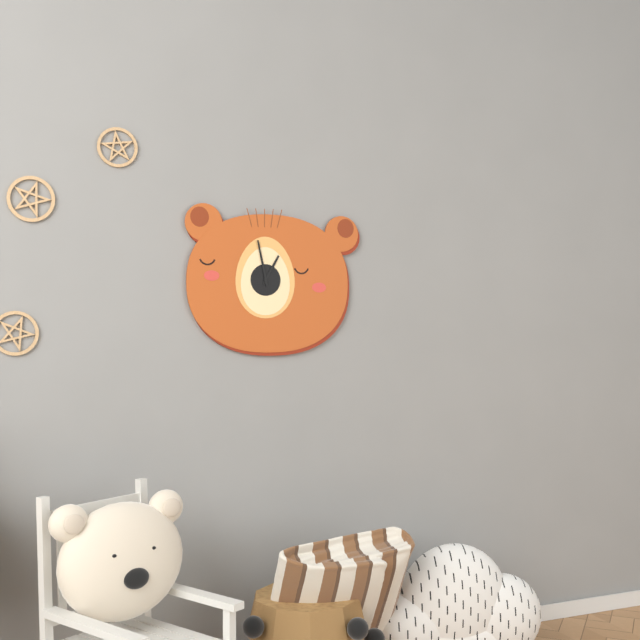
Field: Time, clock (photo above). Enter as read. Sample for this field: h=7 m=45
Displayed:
h=12 m=58
